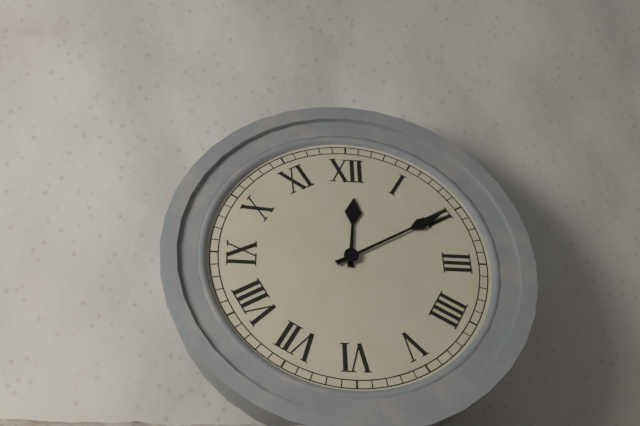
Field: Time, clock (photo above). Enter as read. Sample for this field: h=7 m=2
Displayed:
h=12 m=10
